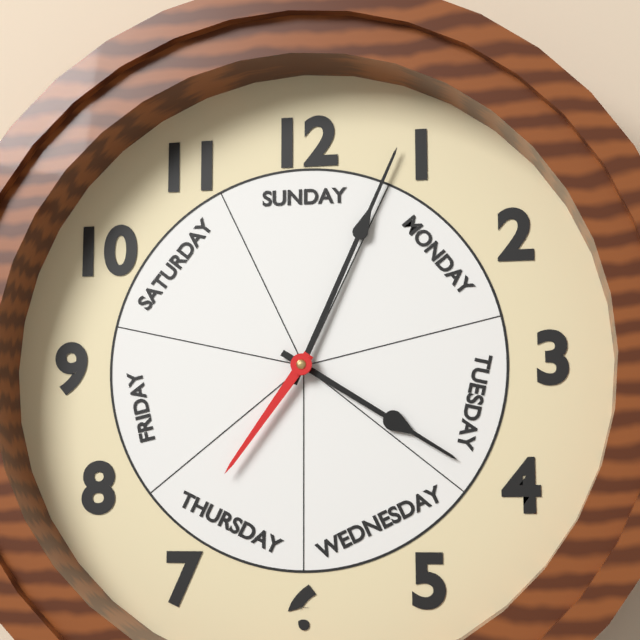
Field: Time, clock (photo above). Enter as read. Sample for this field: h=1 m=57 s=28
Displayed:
h=4 m=4 s=36
